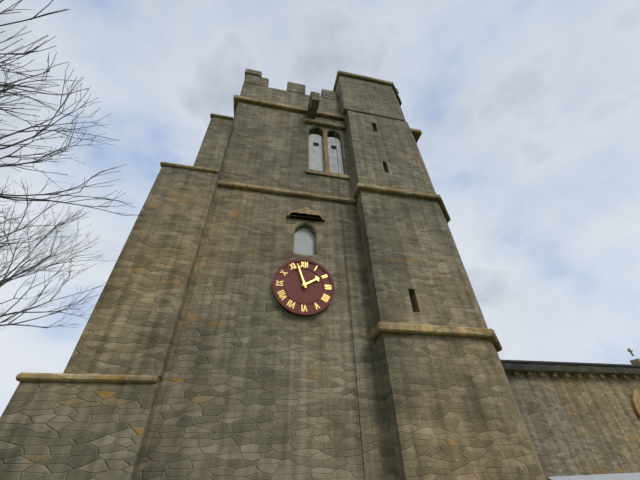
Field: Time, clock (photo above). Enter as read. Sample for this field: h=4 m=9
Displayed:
h=1 m=57
